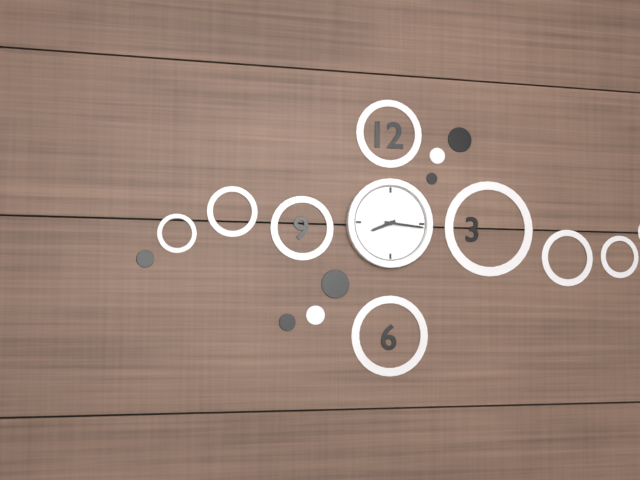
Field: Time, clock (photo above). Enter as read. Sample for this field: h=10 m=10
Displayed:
h=8 m=16
